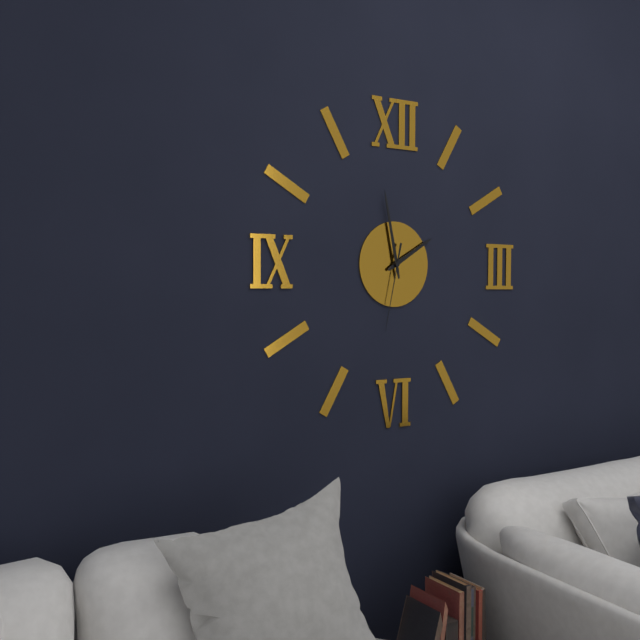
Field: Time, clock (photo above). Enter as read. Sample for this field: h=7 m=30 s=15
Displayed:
h=1 m=58 s=32
